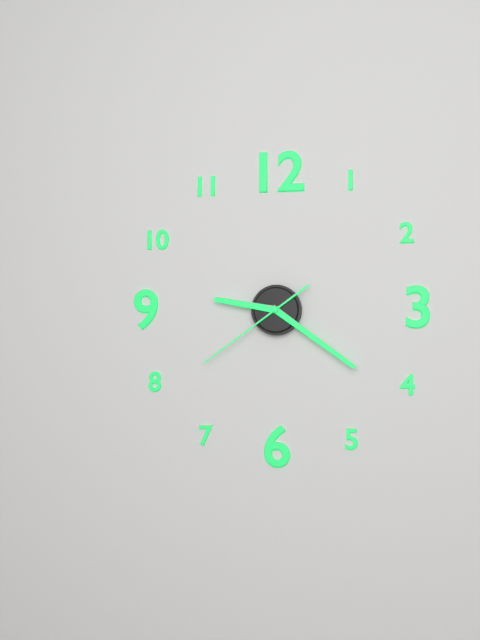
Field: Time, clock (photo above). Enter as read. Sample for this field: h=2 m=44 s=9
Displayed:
h=9 m=21 s=39
